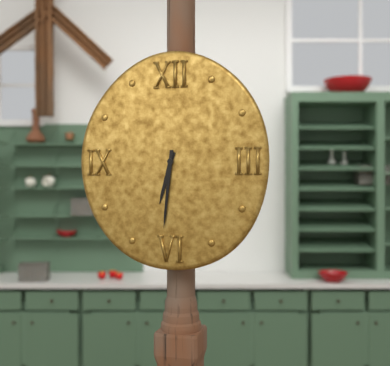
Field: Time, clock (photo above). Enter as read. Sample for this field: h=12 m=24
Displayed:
h=6 m=31
